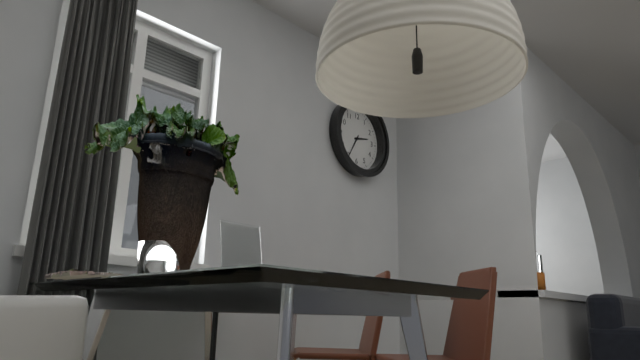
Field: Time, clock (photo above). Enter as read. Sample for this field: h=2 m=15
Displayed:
h=2 m=35
